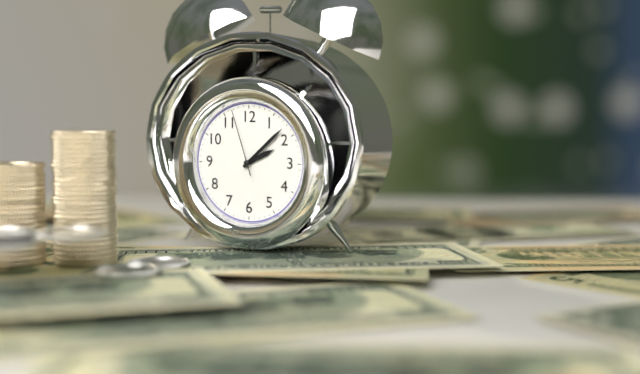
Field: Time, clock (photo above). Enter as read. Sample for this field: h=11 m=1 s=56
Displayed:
h=2 m=8 s=57
